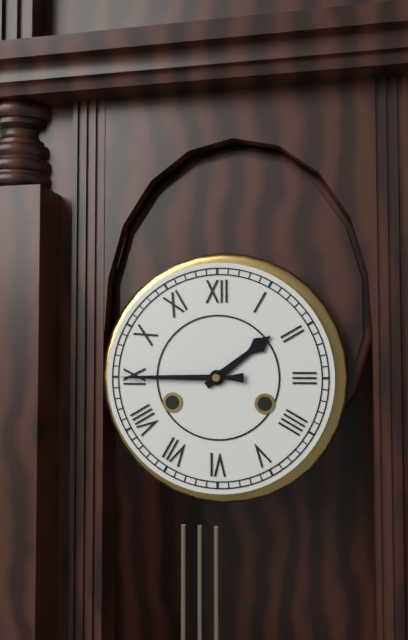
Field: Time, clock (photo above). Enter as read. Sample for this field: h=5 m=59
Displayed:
h=1 m=45
